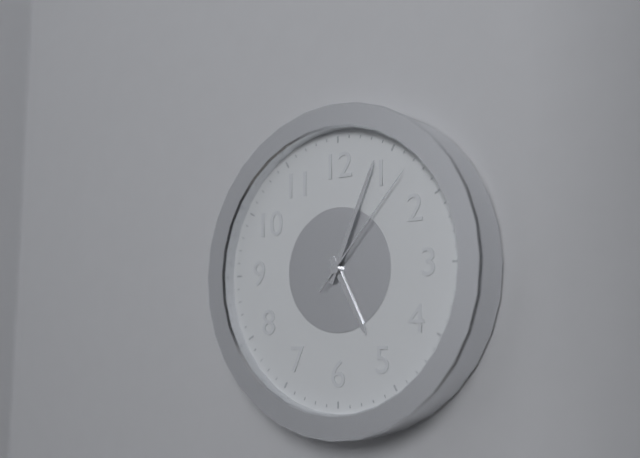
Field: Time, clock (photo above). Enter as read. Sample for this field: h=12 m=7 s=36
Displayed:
h=5 m=4 s=7
